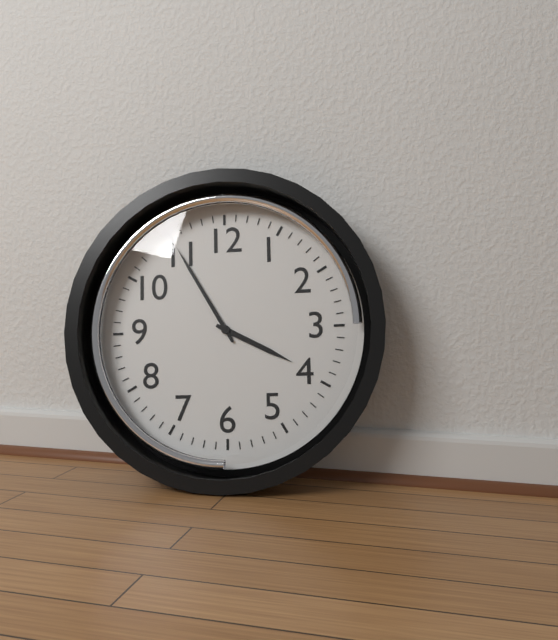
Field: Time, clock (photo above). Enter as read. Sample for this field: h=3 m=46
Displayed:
h=3 m=55
